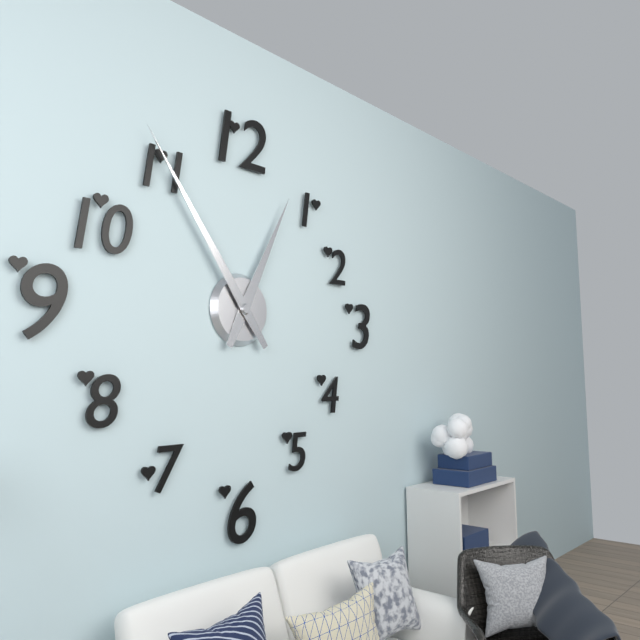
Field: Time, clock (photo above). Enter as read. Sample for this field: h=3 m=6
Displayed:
h=12 m=54
